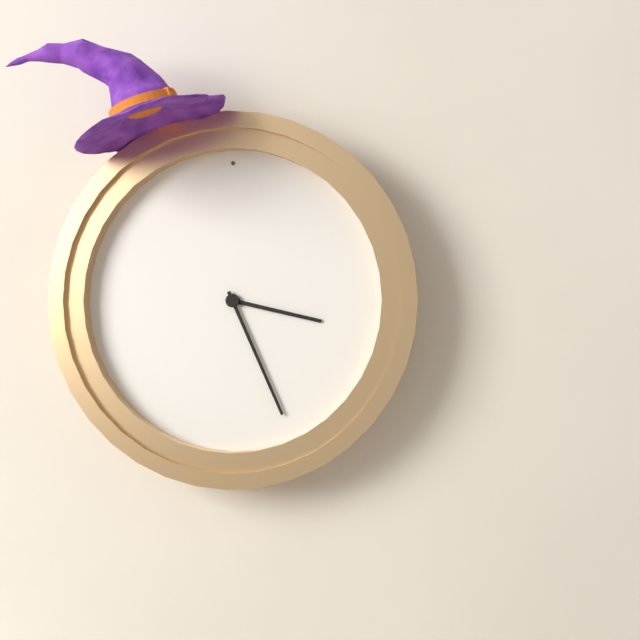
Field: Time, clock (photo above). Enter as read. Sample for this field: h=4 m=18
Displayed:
h=3 m=26
